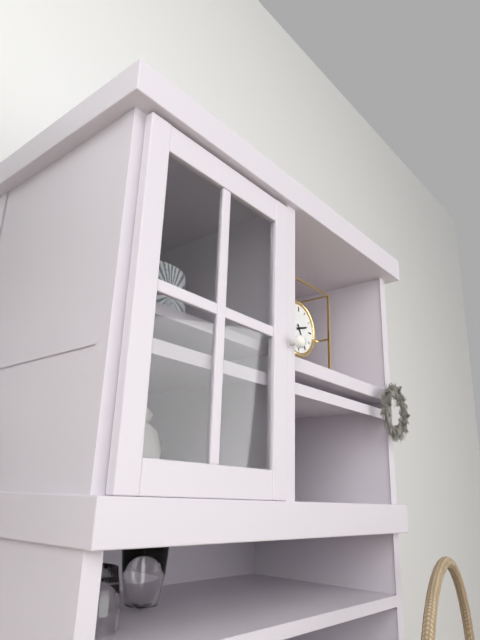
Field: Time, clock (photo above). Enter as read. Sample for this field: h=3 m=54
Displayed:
h=2 m=25
